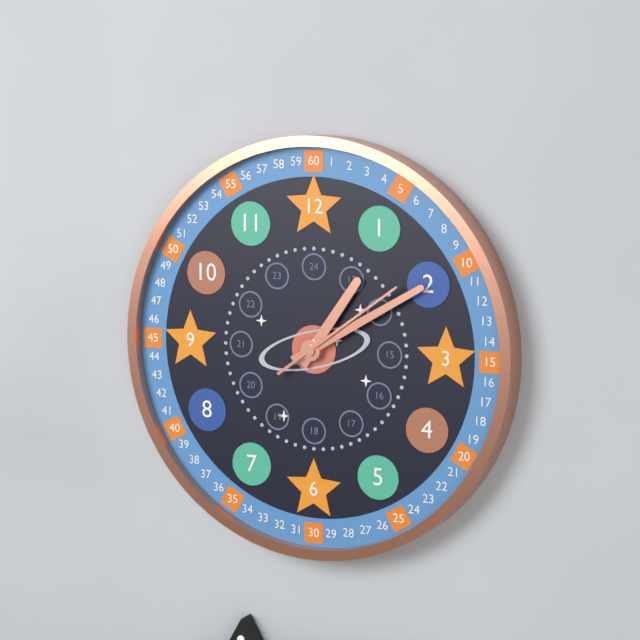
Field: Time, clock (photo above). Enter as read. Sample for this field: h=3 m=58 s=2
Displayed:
h=1 m=10 s=9
